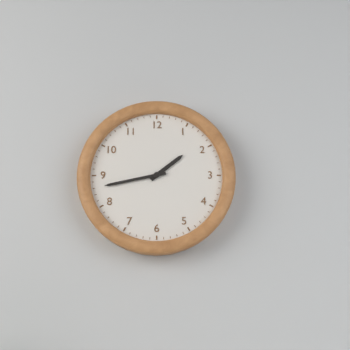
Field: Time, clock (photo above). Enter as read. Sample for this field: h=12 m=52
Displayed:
h=1 m=43
